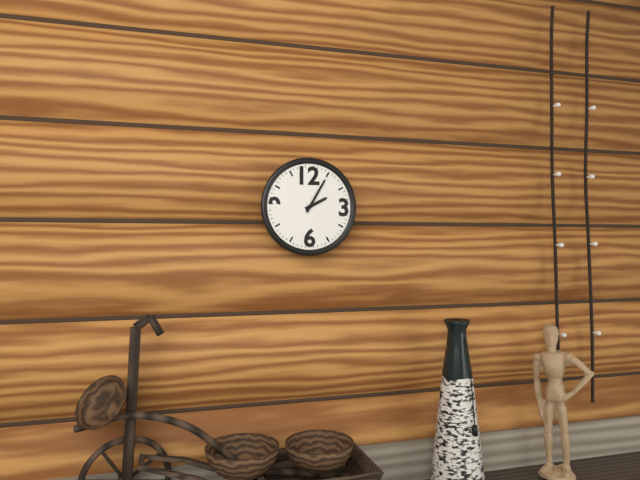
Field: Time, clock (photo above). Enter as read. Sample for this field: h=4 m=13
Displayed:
h=2 m=5
